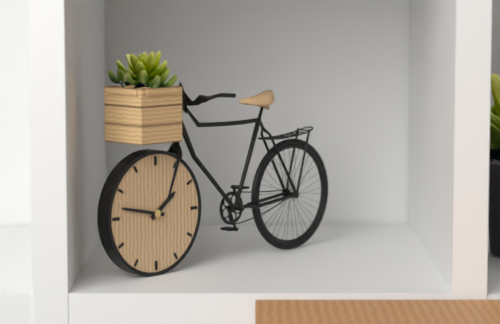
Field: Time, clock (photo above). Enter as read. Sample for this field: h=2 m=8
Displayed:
h=1 m=47
